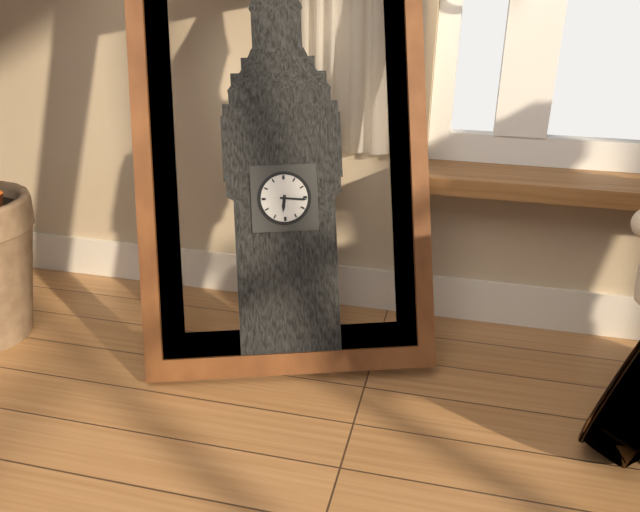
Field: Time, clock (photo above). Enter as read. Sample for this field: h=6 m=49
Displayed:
h=6 m=16
